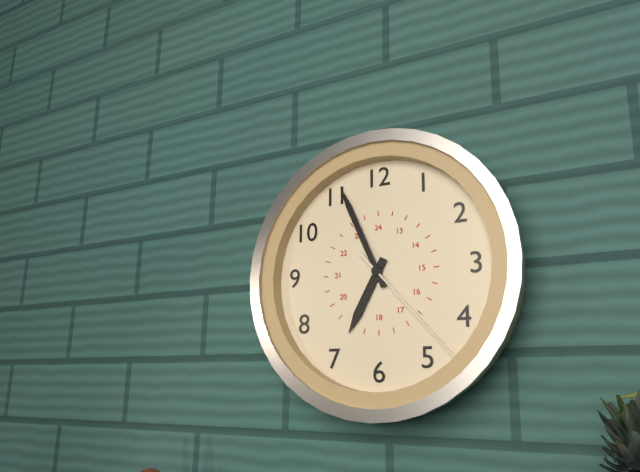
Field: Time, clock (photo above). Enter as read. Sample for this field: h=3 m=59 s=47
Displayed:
h=6 m=56 s=23
